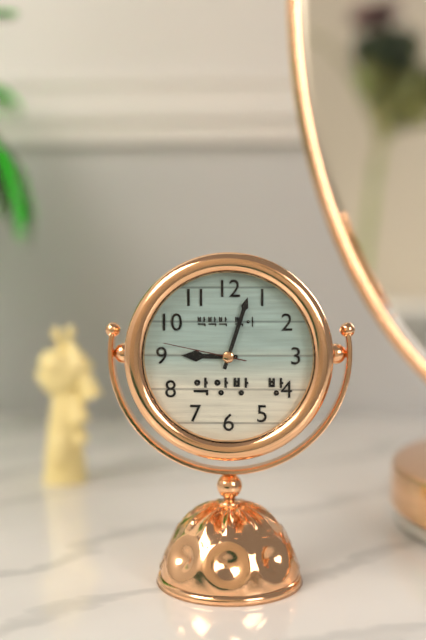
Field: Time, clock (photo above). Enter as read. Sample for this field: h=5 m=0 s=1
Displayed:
h=9 m=3 s=47
